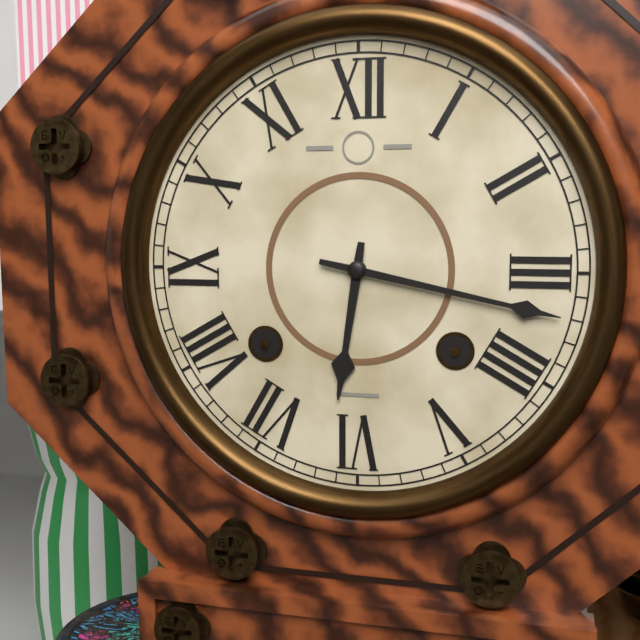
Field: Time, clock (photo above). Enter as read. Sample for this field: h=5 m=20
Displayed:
h=6 m=17
